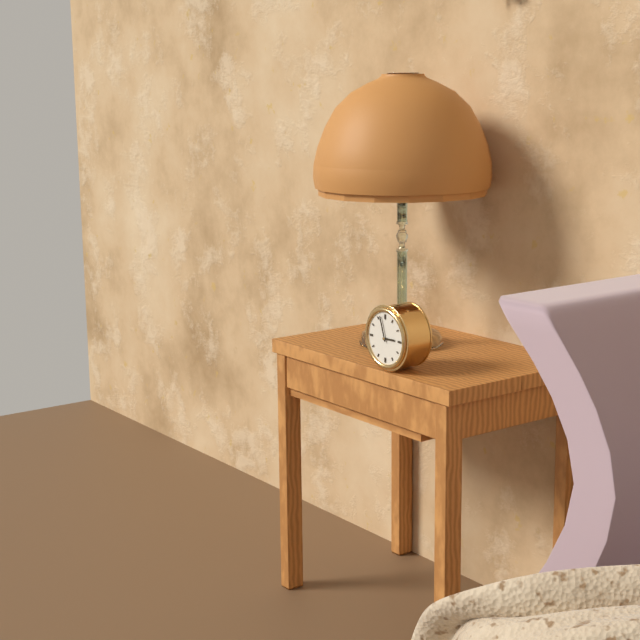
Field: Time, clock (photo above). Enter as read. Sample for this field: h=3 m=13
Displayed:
h=2 m=57
